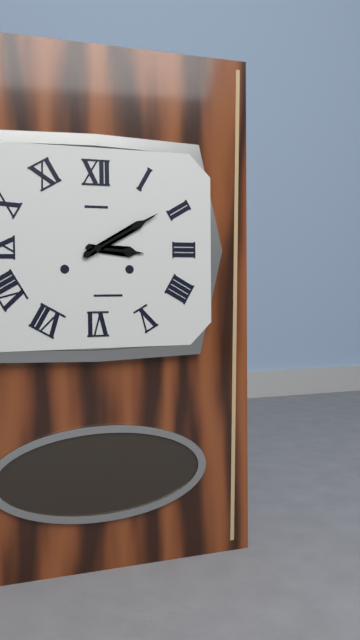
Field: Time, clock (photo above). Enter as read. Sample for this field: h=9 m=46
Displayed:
h=3 m=10
